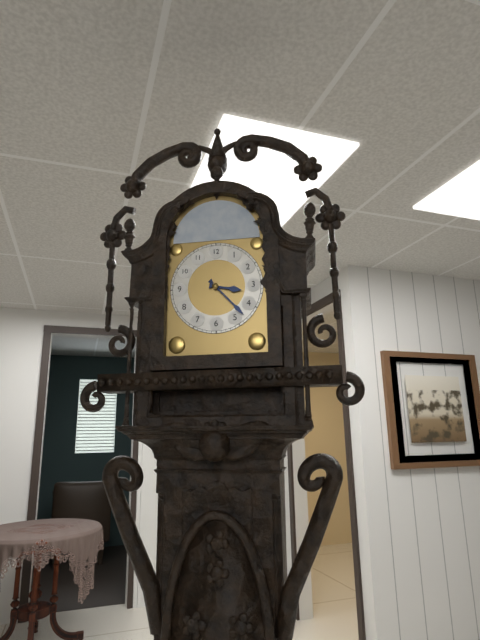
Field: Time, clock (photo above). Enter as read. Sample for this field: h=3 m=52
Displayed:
h=3 m=23
